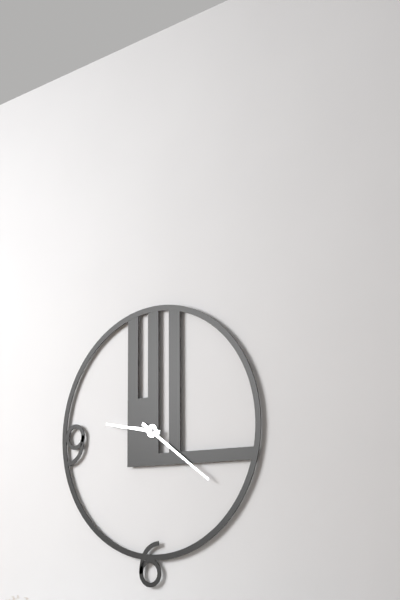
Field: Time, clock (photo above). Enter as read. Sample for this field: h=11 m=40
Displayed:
h=9 m=21
